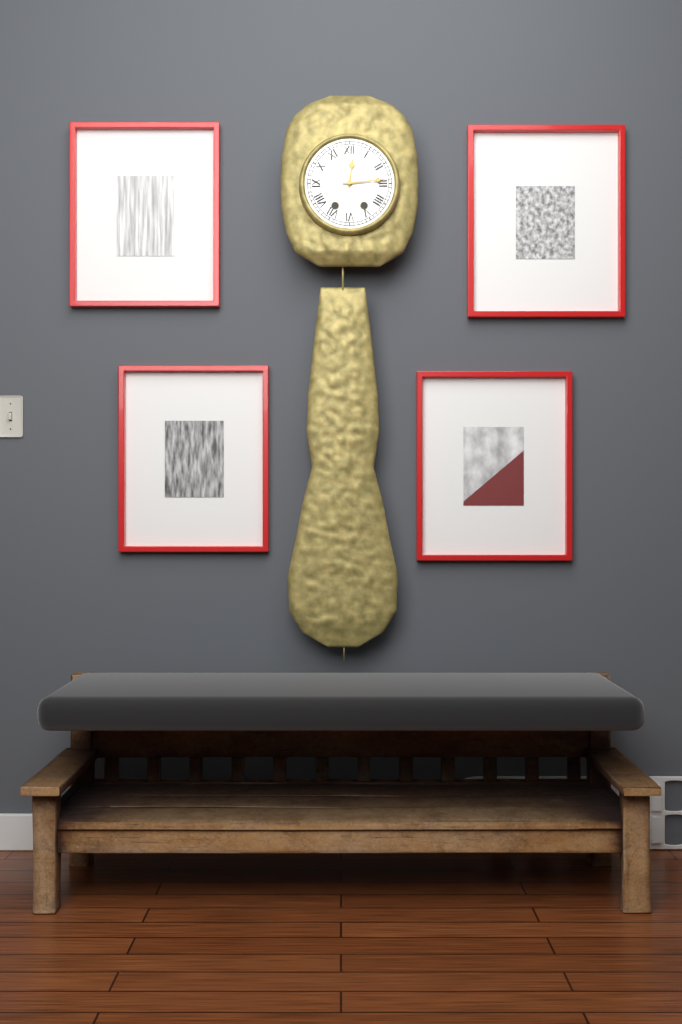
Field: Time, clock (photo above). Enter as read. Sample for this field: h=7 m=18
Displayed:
h=12 m=14
